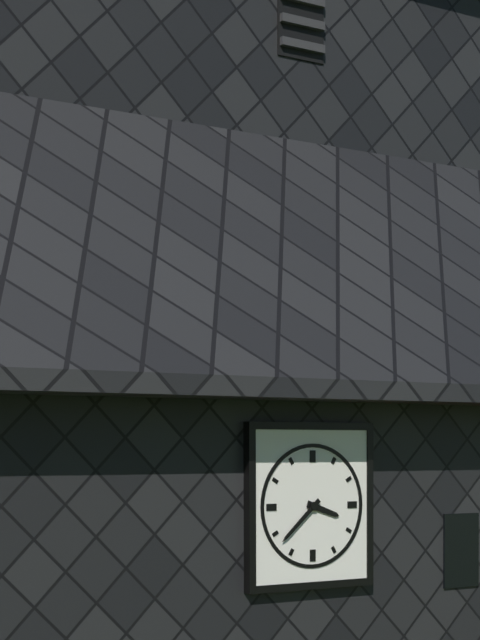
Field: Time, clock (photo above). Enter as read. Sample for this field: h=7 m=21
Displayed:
h=3 m=38
